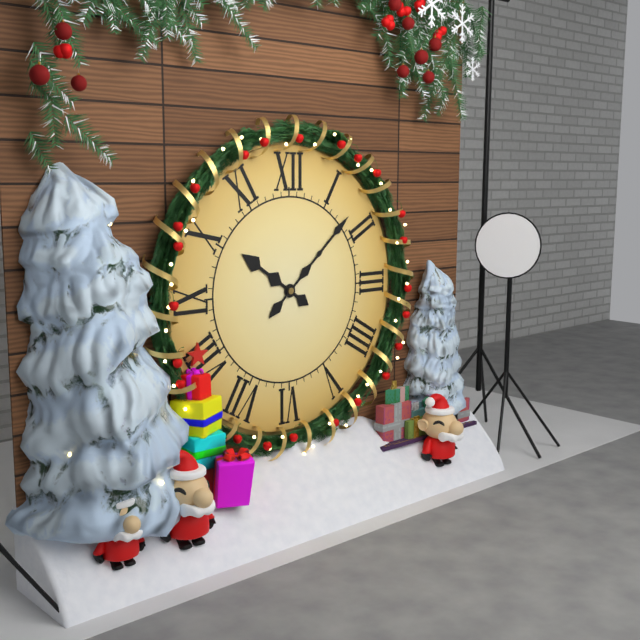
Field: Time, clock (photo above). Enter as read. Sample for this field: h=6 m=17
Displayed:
h=10 m=8
